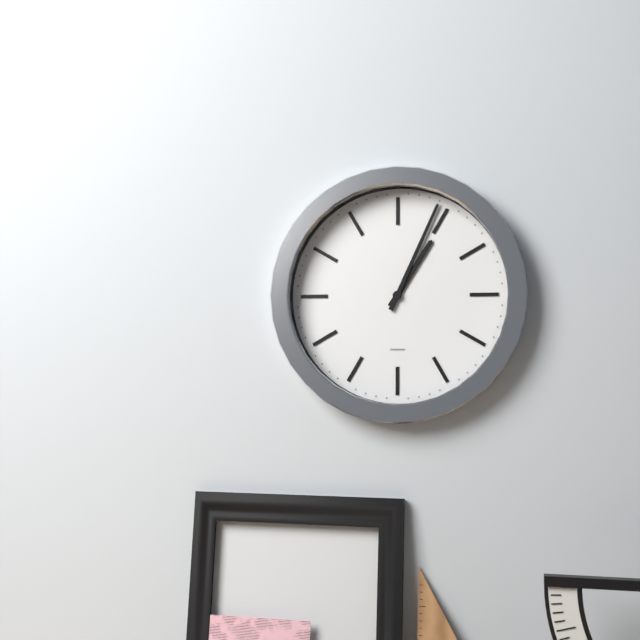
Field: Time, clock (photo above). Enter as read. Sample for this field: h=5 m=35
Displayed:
h=1 m=4
